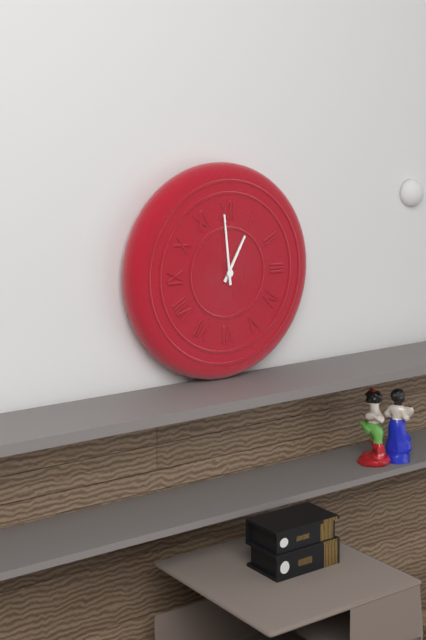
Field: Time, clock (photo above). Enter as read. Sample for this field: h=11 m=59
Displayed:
h=12 m=59
